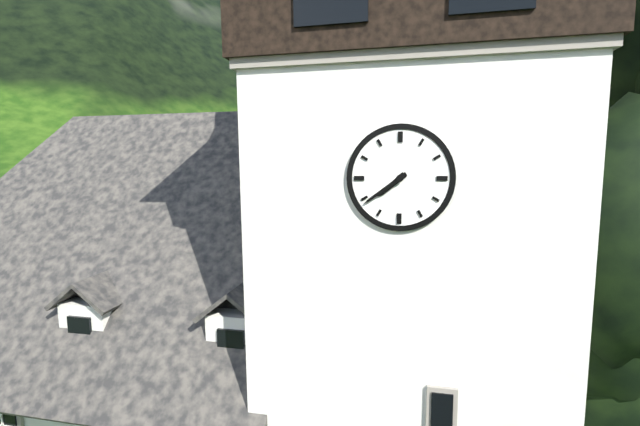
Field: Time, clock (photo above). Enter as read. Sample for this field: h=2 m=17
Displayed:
h=7 m=39
